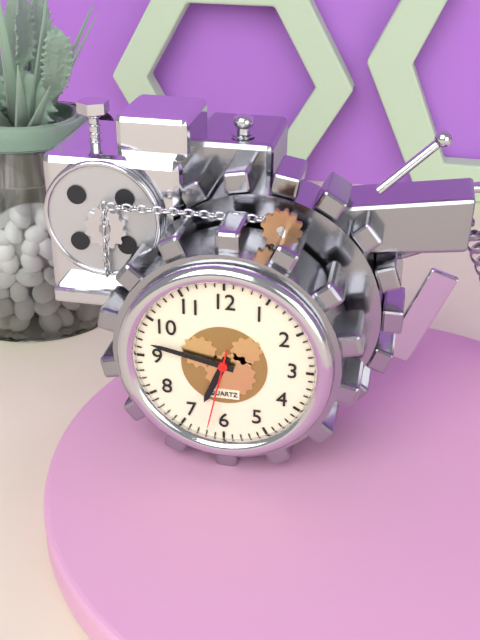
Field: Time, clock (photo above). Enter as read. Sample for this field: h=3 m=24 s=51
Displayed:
h=6 m=47 s=32
